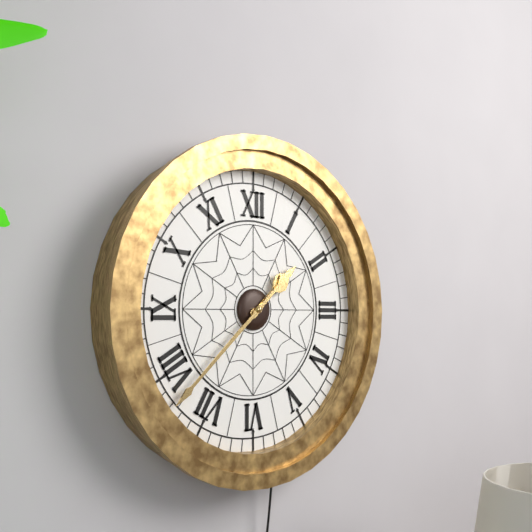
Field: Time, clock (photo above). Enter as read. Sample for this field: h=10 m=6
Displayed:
h=1 m=38
